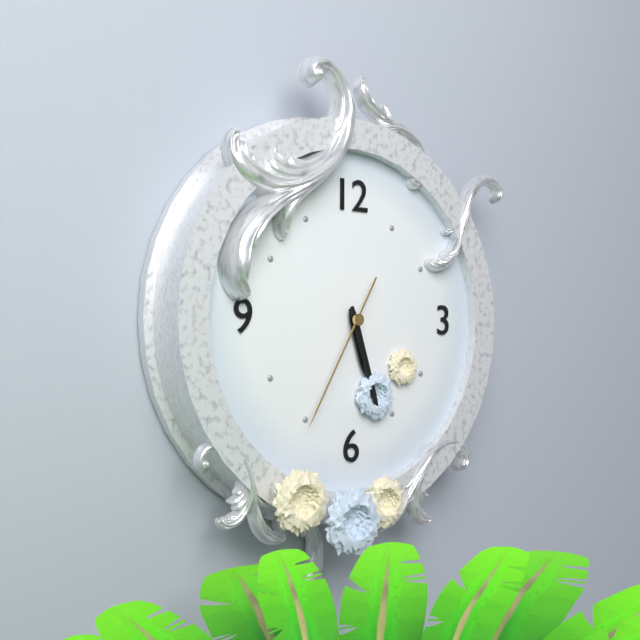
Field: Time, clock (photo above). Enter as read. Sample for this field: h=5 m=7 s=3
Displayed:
h=5 m=27 s=35
